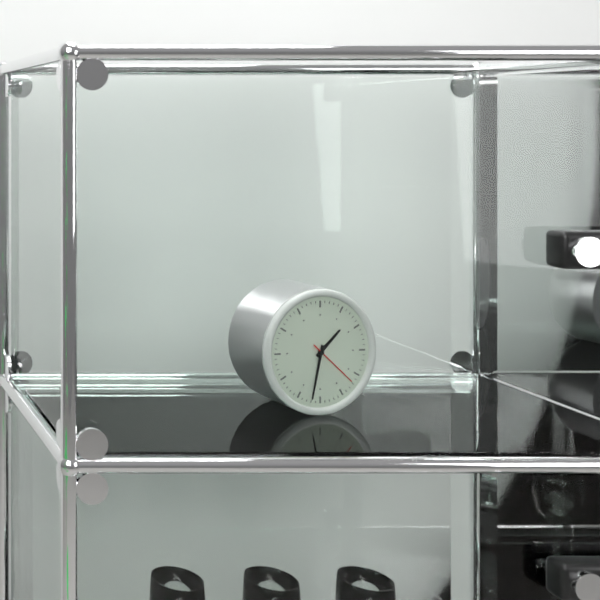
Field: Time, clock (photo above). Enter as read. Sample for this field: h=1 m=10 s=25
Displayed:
h=1 m=32 s=22
